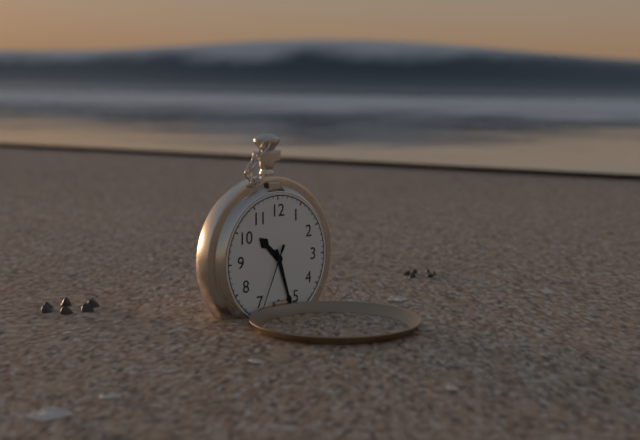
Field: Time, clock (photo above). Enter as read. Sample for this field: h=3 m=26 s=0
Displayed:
h=10 m=27 s=34
